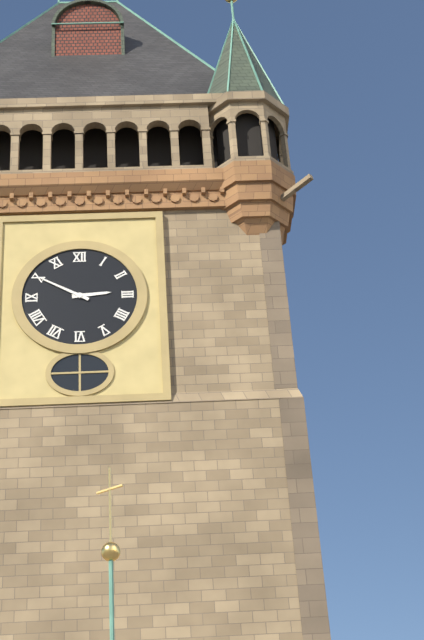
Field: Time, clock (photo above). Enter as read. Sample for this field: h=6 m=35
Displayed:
h=2 m=50
